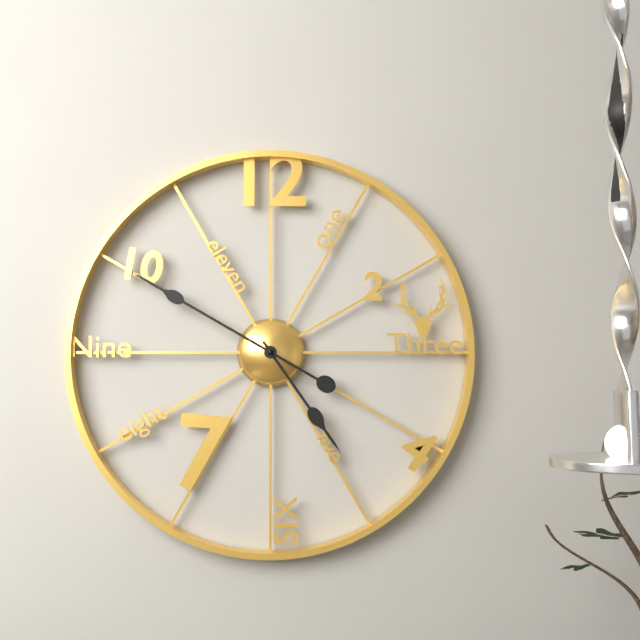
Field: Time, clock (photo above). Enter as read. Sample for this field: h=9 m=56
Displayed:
h=4 m=50
